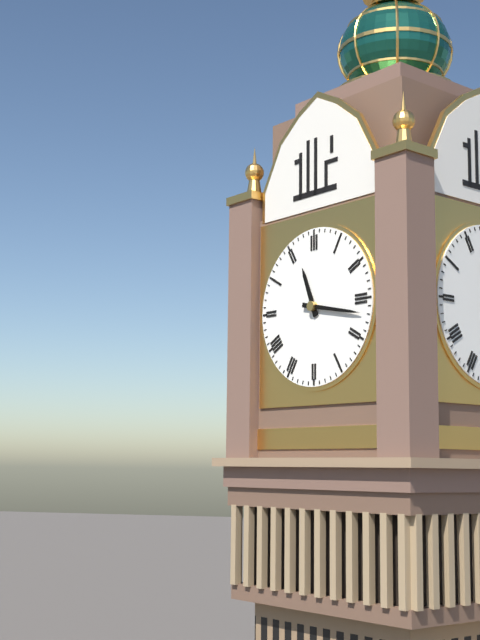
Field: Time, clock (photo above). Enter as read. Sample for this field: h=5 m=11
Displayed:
h=11 m=17
